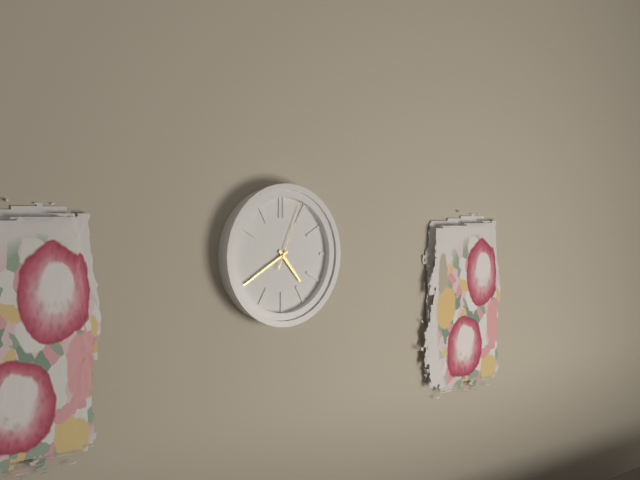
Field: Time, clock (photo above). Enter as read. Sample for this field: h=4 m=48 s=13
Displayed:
h=4 m=40 s=4
